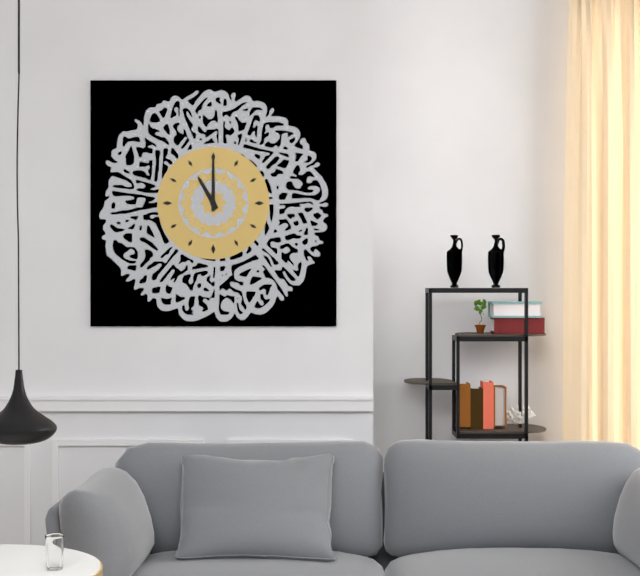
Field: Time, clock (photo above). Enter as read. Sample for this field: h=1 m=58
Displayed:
h=11 m=0
